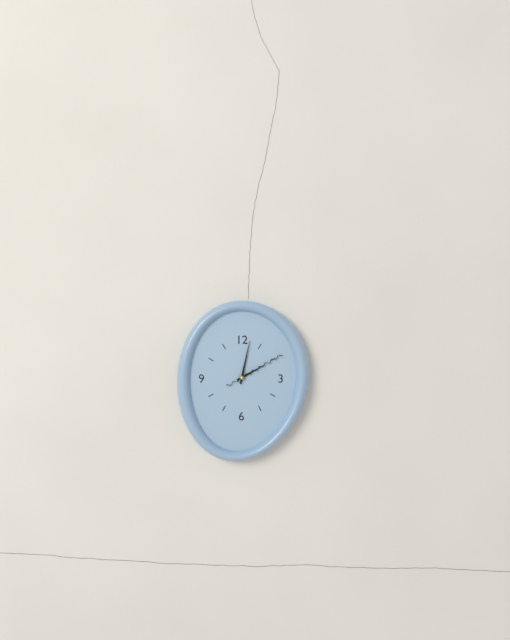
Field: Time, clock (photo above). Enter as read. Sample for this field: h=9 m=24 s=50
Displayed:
h=2 m=2 s=10
